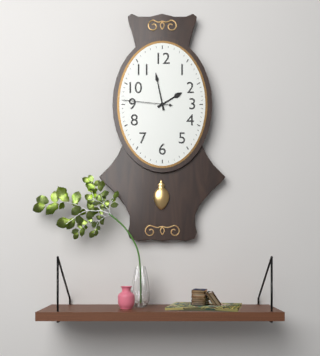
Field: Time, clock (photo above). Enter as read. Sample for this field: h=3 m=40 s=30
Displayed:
h=1 m=58 s=46
